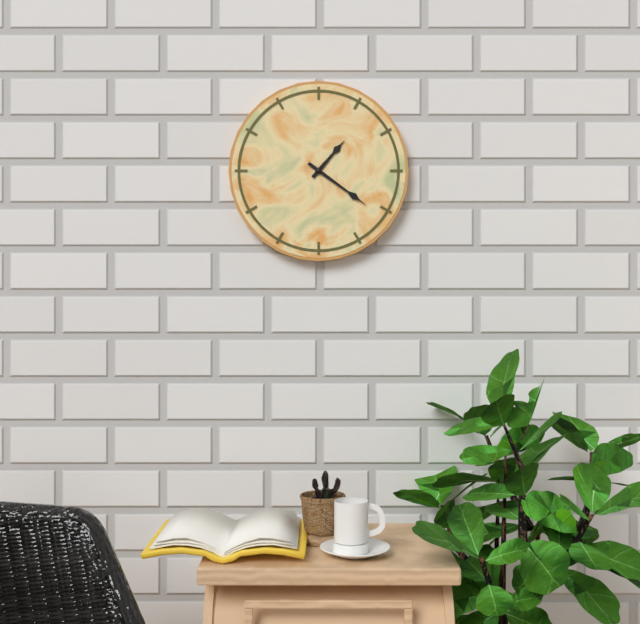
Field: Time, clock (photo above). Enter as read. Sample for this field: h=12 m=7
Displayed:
h=1 m=21
